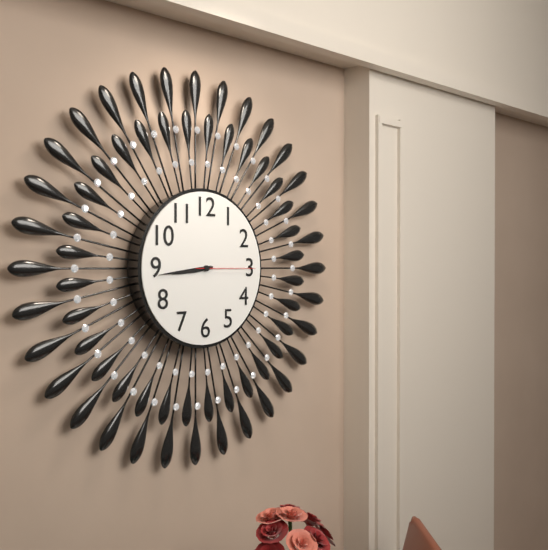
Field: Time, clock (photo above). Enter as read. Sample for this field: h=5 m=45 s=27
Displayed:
h=8 m=44 s=15
